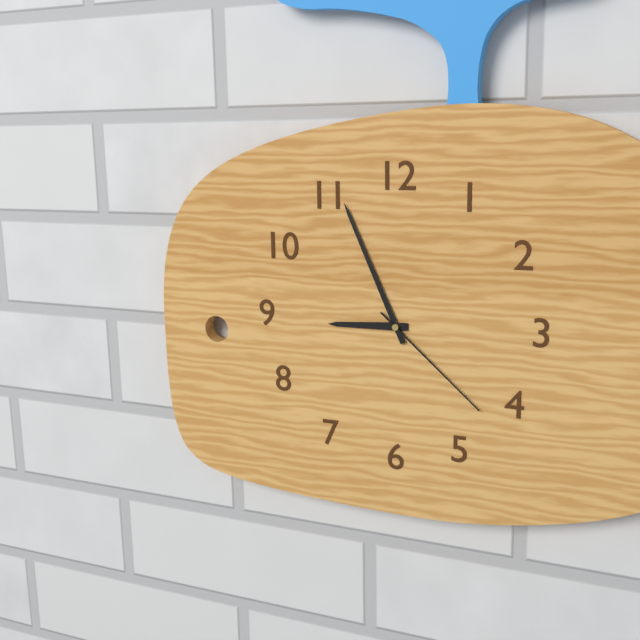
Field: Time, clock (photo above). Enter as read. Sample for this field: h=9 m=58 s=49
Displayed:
h=8 m=56 s=22
